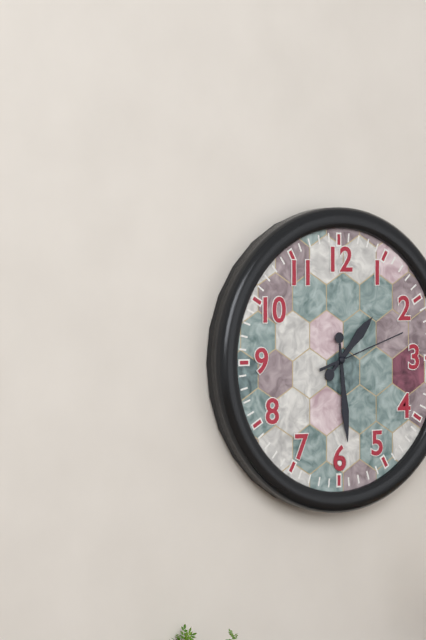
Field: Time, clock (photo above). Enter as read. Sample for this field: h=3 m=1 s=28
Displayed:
h=1 m=29 s=12
